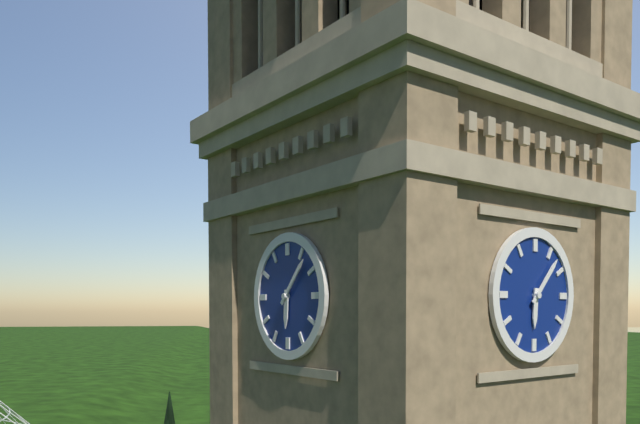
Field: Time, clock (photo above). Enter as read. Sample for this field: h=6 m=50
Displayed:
h=6 m=7
